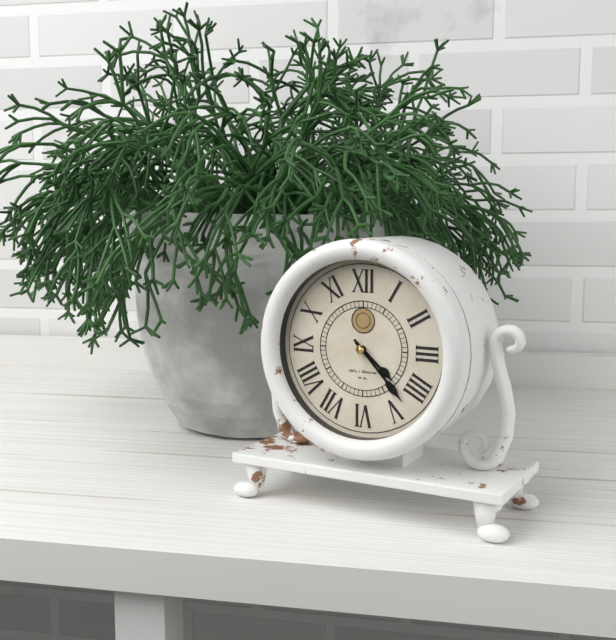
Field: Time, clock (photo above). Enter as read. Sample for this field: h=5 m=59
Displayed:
h=4 m=23
